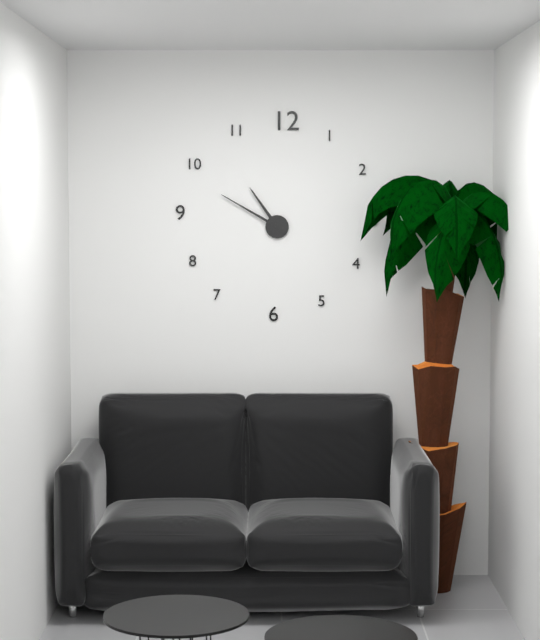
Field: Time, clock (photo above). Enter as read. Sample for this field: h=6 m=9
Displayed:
h=10 m=50
